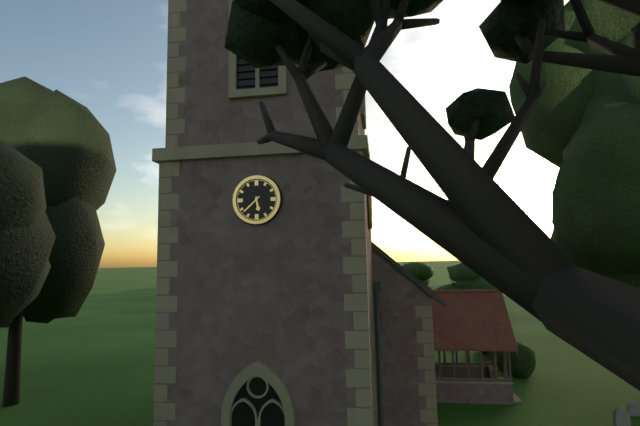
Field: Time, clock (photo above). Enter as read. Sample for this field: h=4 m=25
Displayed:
h=5 m=38
